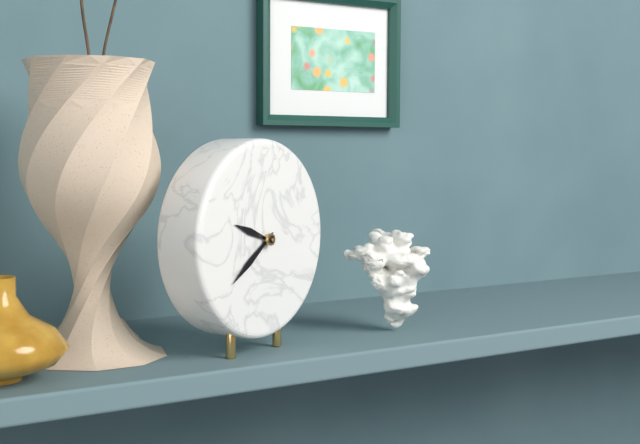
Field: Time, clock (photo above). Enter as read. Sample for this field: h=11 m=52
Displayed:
h=9 m=39
